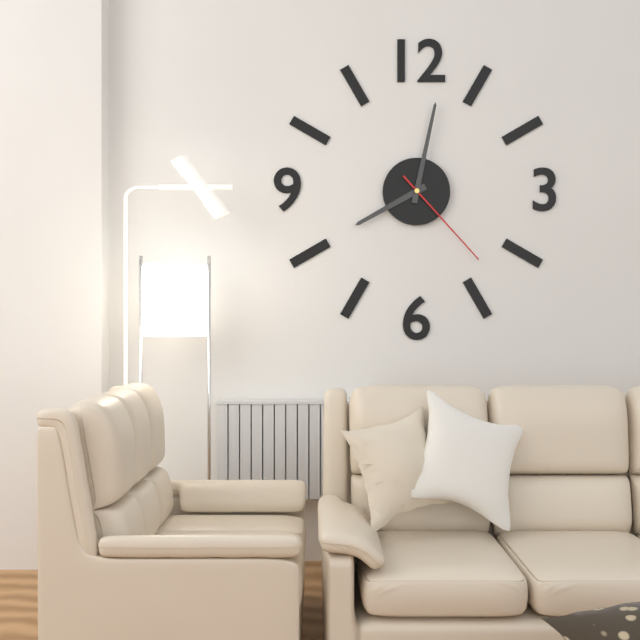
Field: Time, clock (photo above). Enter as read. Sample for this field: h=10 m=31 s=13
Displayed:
h=8 m=2 s=23
